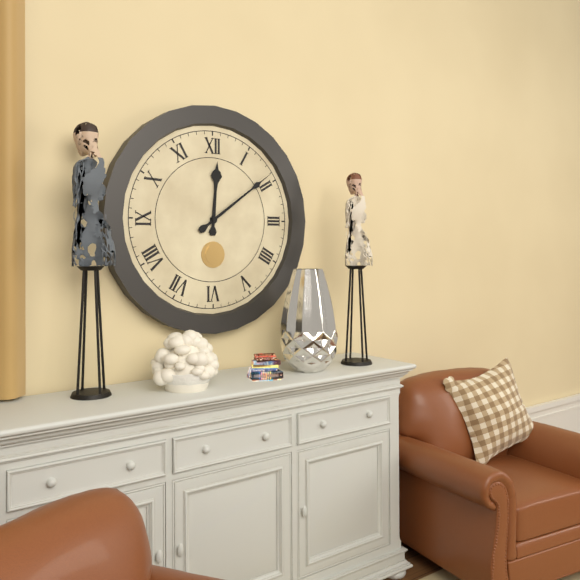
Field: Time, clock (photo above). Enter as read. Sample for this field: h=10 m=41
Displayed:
h=12 m=9
